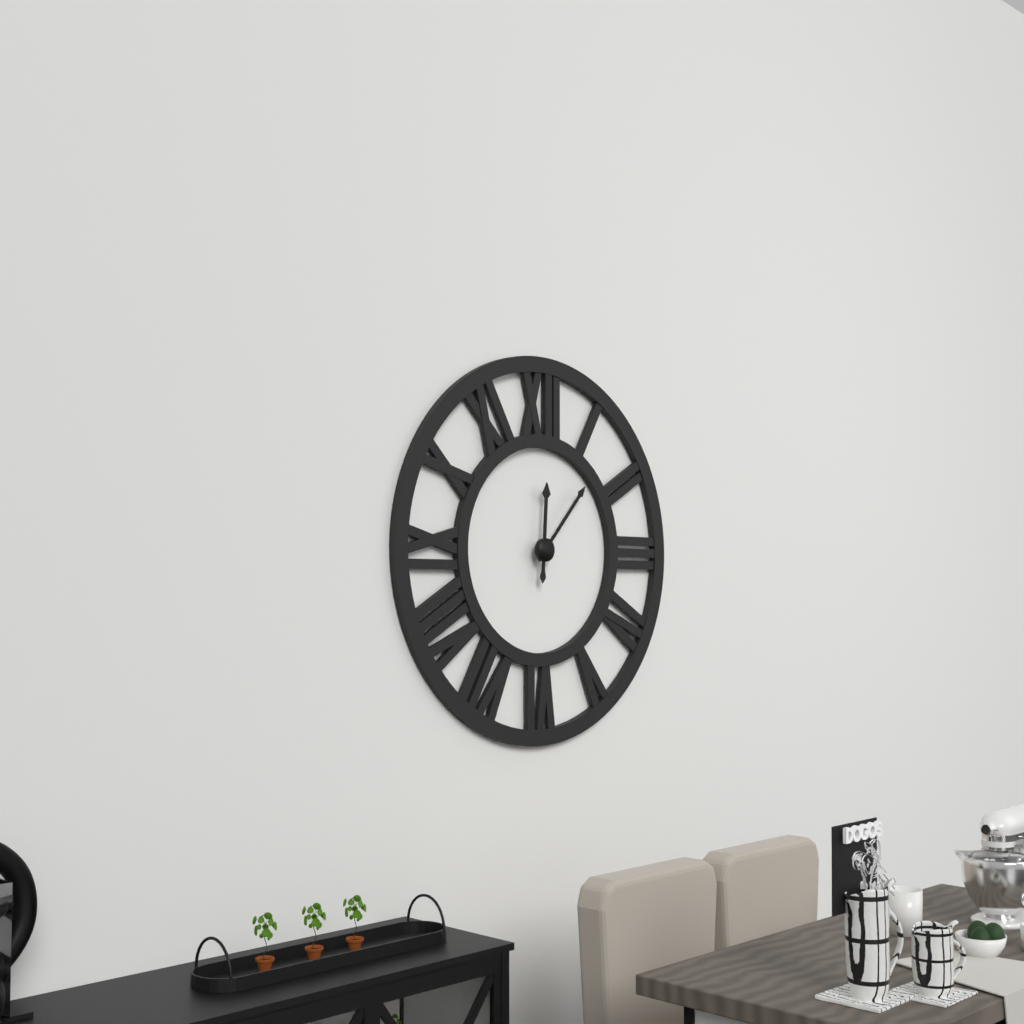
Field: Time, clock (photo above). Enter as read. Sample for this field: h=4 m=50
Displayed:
h=12 m=7
